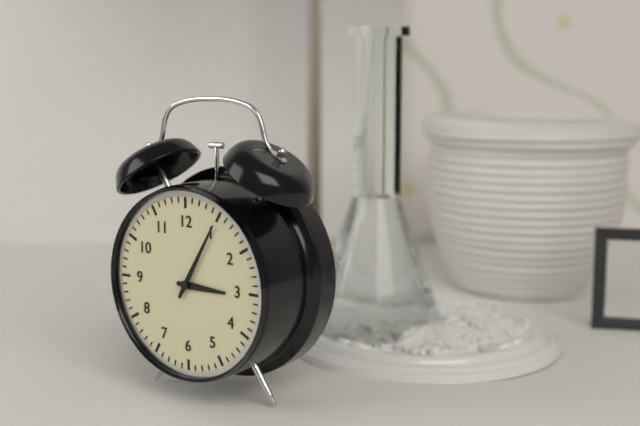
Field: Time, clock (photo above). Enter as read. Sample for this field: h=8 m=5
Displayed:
h=3 m=5
